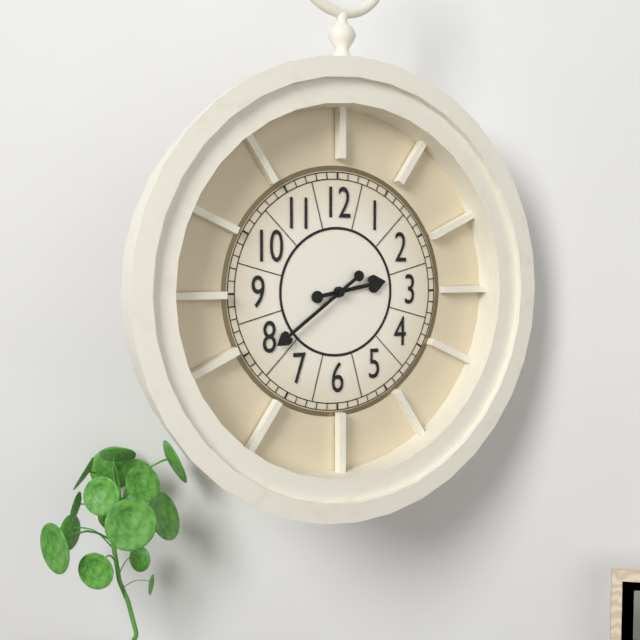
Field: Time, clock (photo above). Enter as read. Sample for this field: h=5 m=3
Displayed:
h=2 m=39
